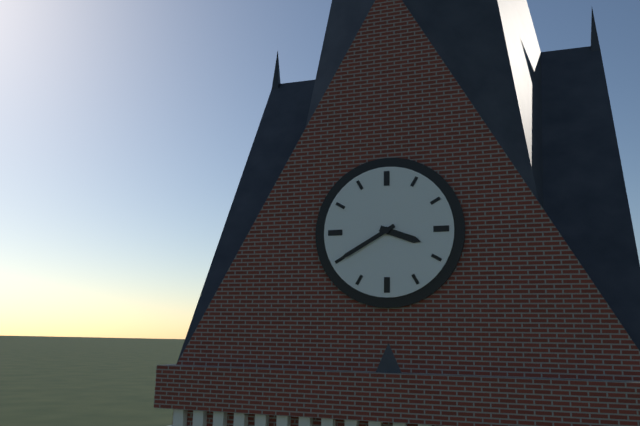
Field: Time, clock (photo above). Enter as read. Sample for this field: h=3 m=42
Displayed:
h=3 m=40
